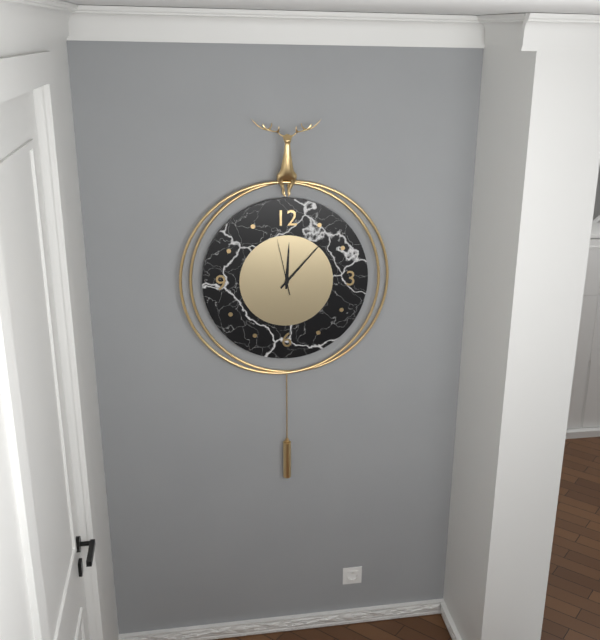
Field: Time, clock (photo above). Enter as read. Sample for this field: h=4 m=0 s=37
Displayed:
h=12 m=7 s=58
